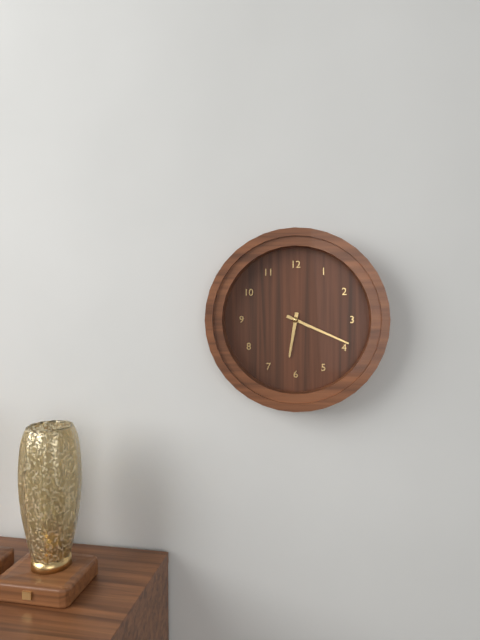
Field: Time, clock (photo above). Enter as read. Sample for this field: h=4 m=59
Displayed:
h=6 m=19
